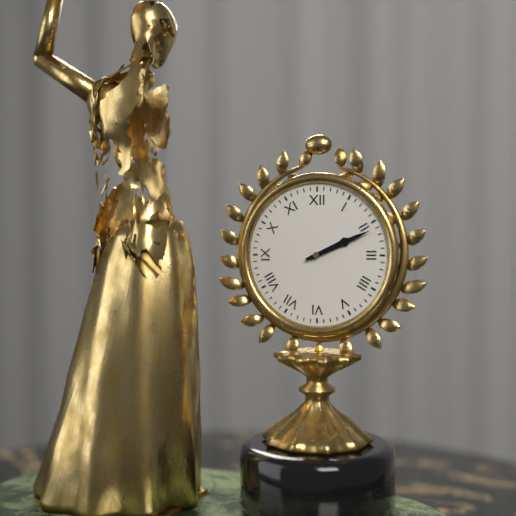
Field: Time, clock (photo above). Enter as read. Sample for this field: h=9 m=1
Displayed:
h=2 m=11
